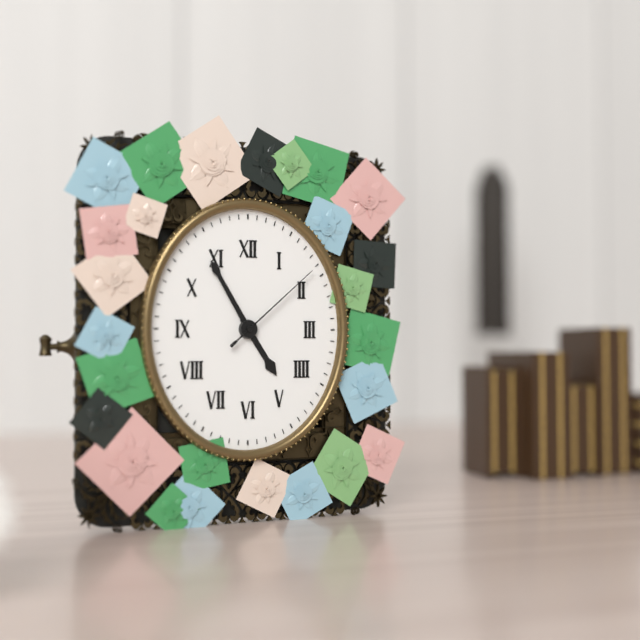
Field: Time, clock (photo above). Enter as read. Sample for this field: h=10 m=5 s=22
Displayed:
h=4 m=55 s=8
